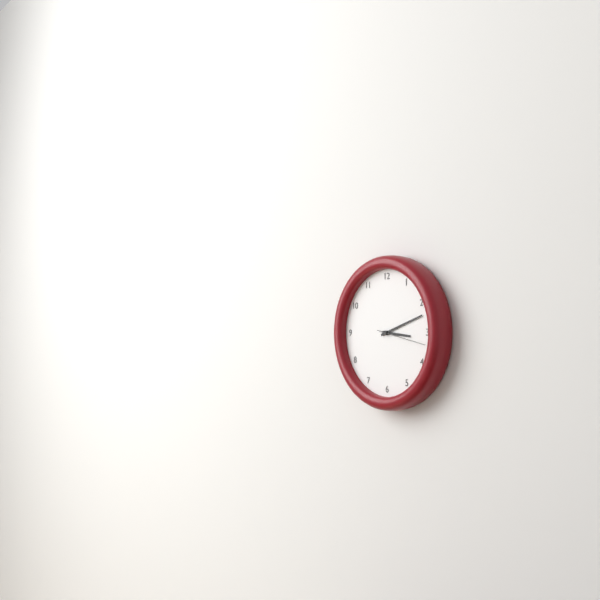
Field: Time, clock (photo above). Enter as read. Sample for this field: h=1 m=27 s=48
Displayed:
h=3 m=12 s=17
